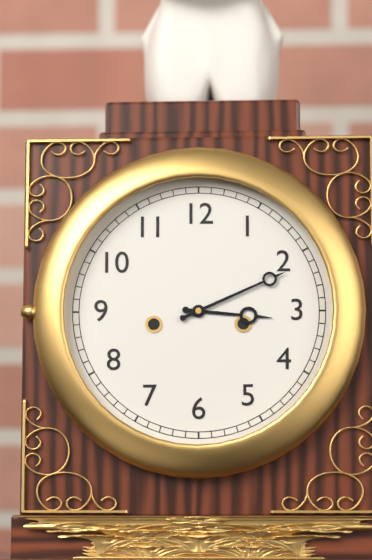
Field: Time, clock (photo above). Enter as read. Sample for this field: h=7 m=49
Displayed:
h=3 m=11
